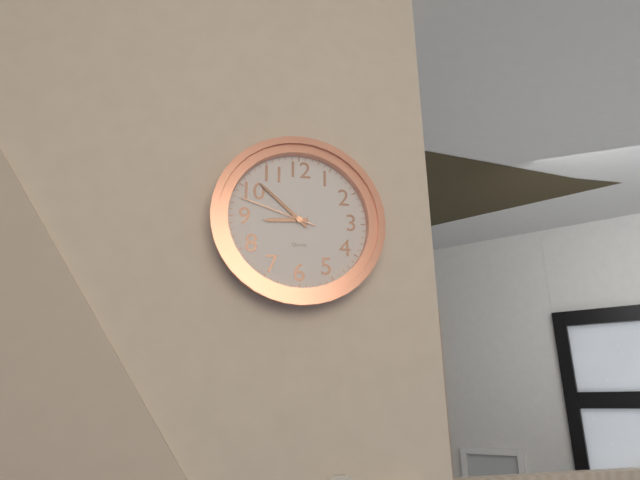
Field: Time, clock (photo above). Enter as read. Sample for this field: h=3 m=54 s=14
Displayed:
h=8 m=52 s=48
